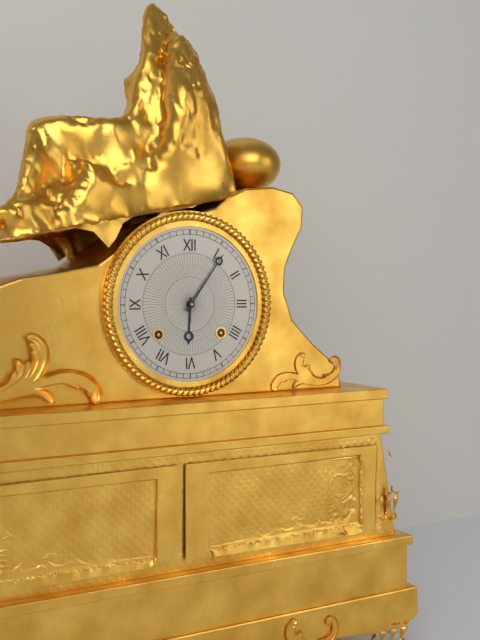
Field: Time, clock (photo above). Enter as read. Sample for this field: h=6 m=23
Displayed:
h=6 m=6
